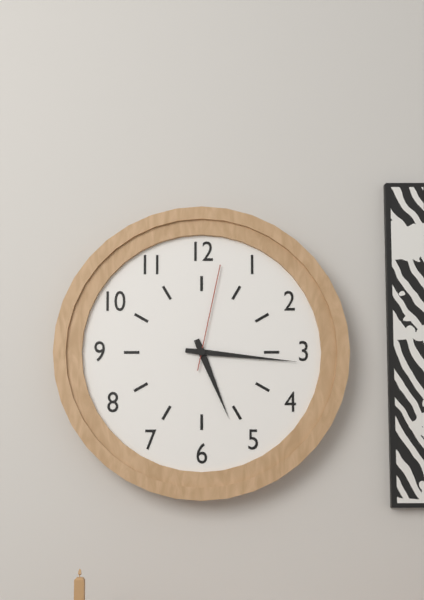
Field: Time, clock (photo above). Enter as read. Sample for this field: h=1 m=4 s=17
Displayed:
h=5 m=16 s=2
